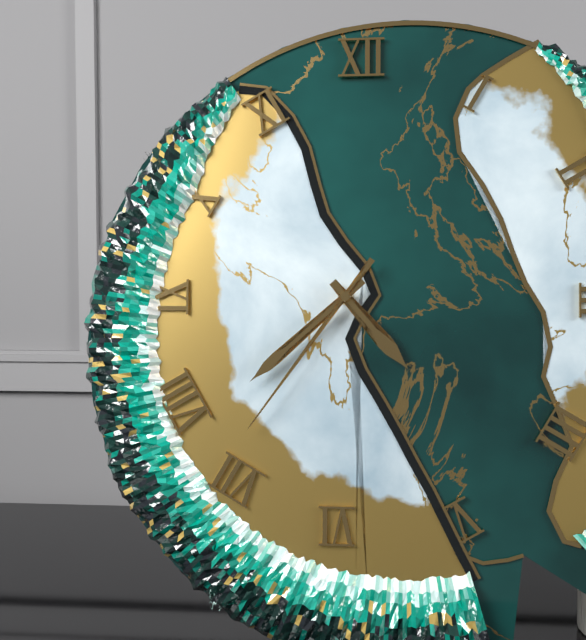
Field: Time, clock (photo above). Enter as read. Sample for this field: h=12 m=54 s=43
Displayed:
h=4 m=38 s=36
